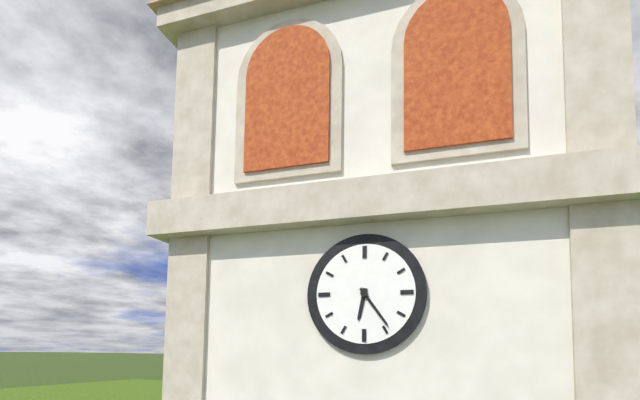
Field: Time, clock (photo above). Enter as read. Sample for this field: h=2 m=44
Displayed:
h=6 m=24
